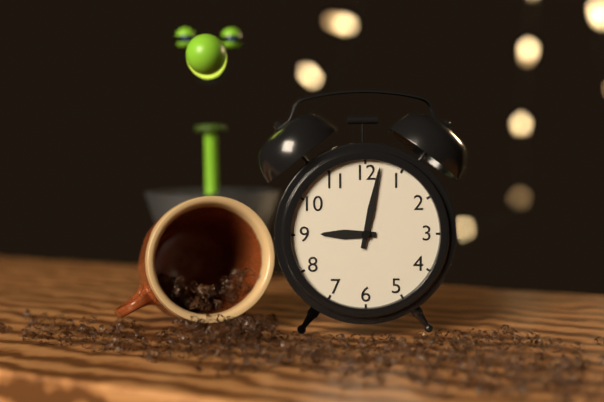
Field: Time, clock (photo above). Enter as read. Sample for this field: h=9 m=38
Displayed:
h=9 m=2
